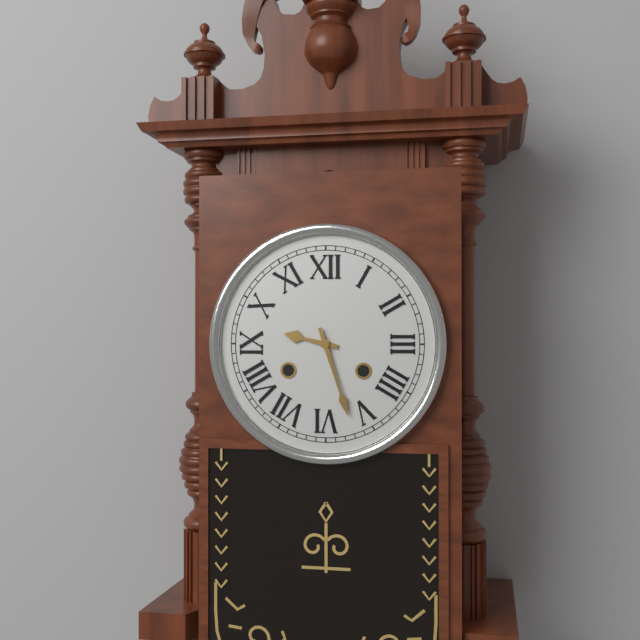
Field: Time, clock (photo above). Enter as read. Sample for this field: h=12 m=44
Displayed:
h=9 m=27
